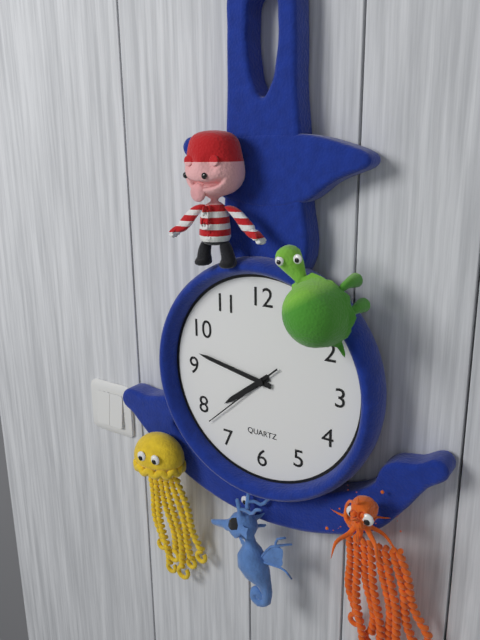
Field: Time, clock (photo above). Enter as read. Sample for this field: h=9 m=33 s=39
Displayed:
h=7 m=47 s=38
